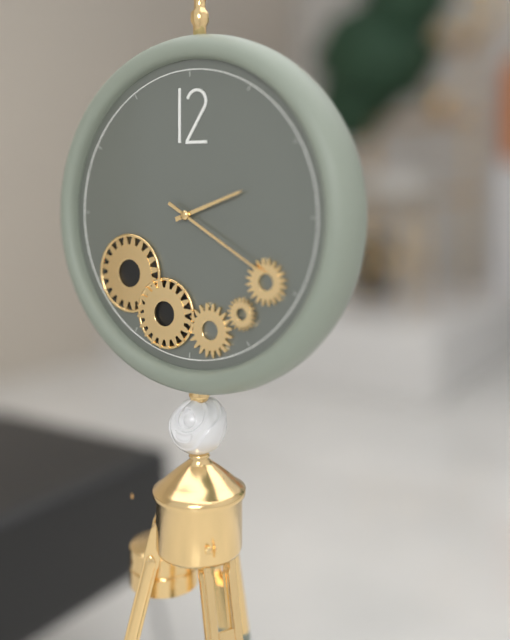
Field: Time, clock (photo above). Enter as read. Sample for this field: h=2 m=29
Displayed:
h=2 m=20
